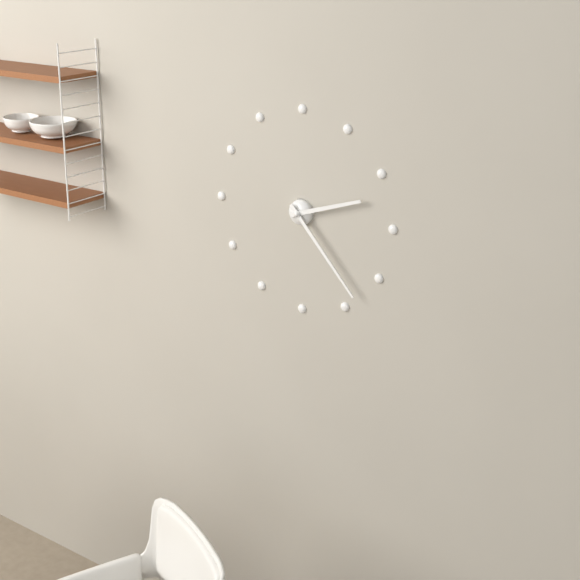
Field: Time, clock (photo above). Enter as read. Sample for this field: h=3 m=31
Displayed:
h=2 m=23
